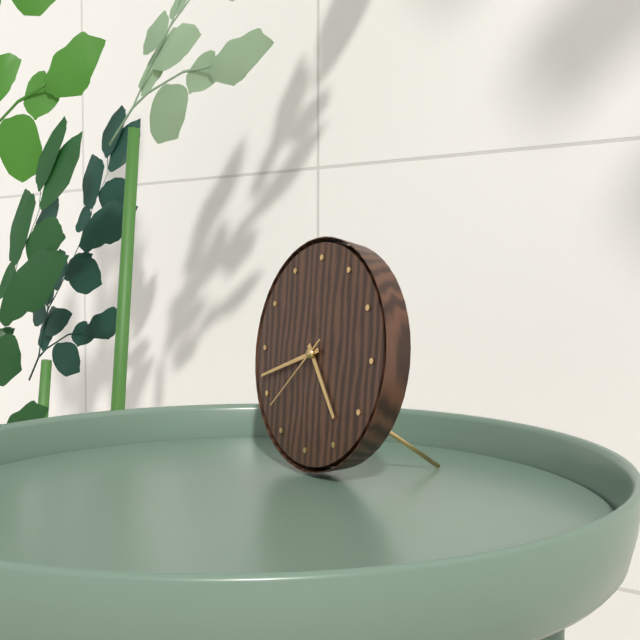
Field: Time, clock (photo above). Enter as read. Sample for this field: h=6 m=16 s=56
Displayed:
h=4 m=42 s=38
